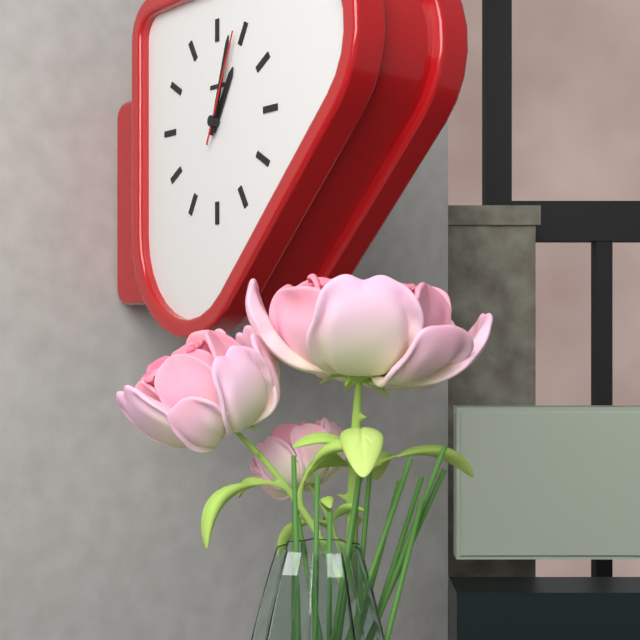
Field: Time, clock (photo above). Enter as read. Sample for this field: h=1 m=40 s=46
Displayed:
h=1 m=3 s=4
